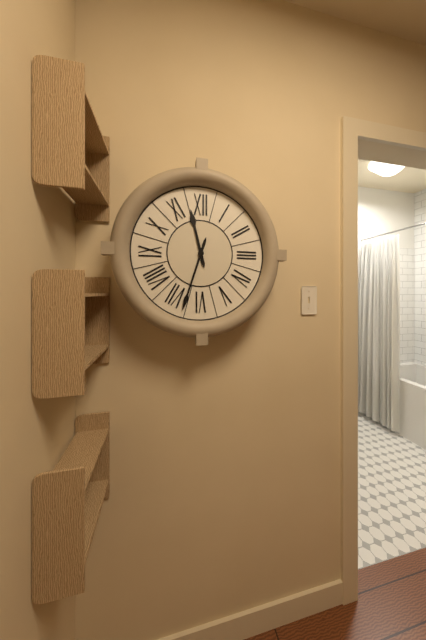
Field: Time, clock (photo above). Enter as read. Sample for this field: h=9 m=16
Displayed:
h=11 m=33
